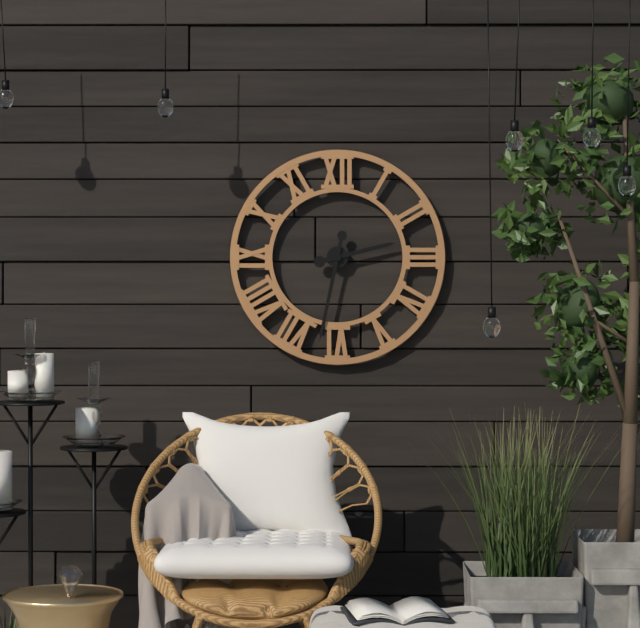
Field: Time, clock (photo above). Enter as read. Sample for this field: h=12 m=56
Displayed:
h=2 m=32
